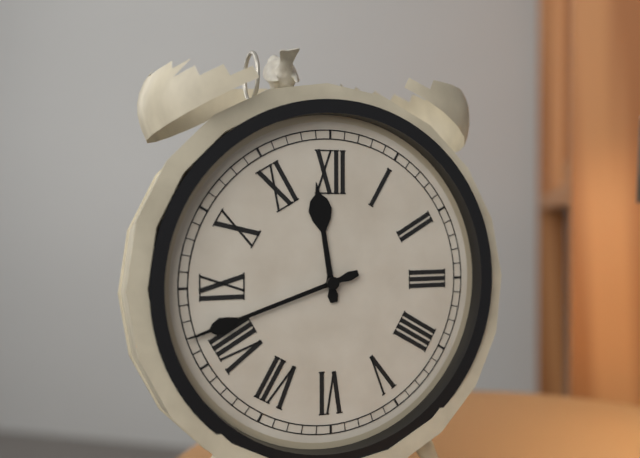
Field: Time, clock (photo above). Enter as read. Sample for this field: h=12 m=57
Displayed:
h=11 m=42
